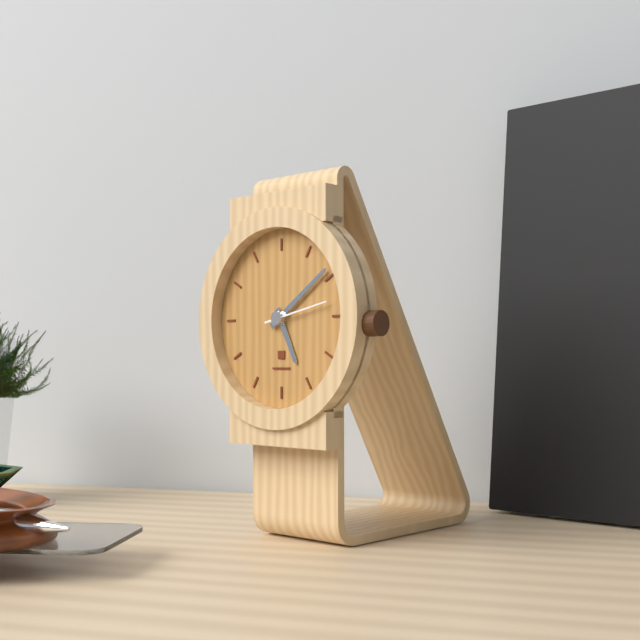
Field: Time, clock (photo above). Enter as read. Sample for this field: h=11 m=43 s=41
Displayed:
h=5 m=9 s=13
